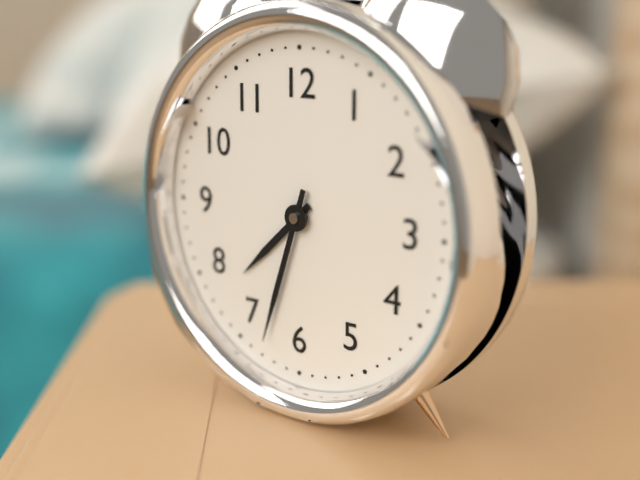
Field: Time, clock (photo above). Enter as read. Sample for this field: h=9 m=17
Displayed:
h=7 m=33
